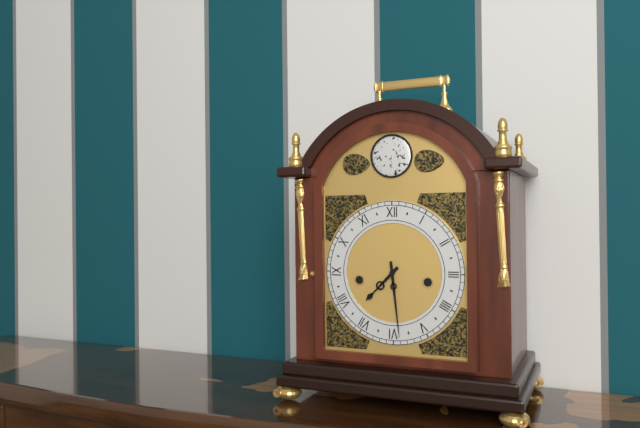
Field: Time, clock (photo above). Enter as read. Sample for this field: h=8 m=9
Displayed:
h=7 m=29
